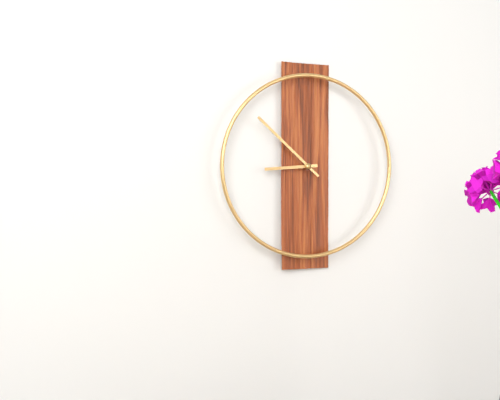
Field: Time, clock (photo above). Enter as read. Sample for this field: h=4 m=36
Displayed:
h=8 m=52
